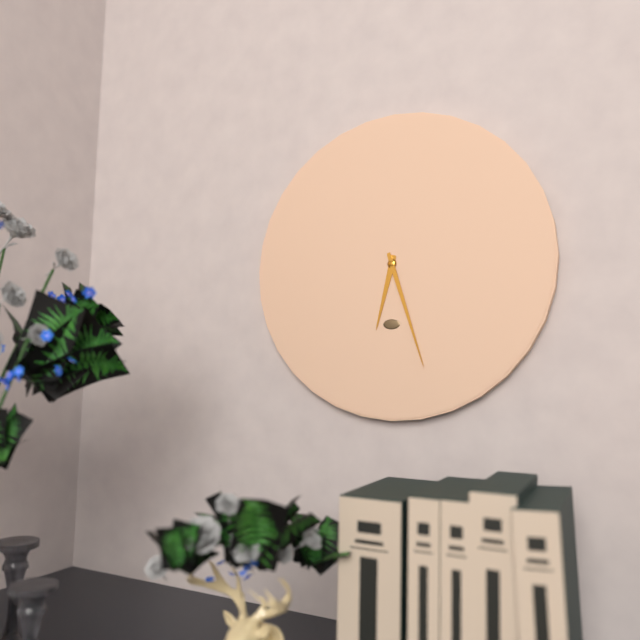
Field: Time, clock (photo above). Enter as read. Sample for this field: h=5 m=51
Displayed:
h=6 m=27
